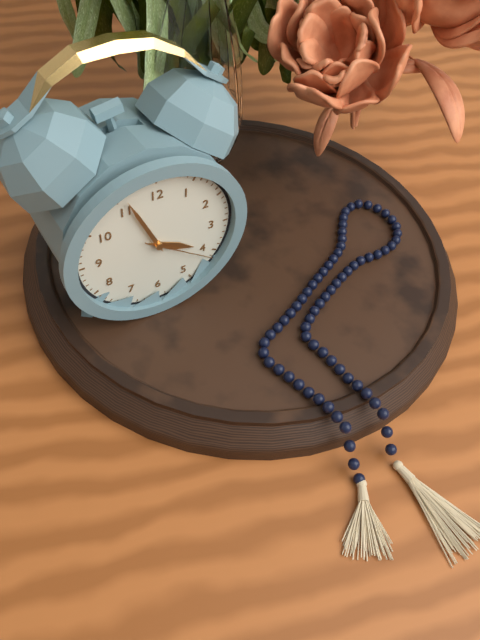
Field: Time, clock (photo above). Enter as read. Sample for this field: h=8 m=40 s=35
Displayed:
h=3 m=56 s=21
